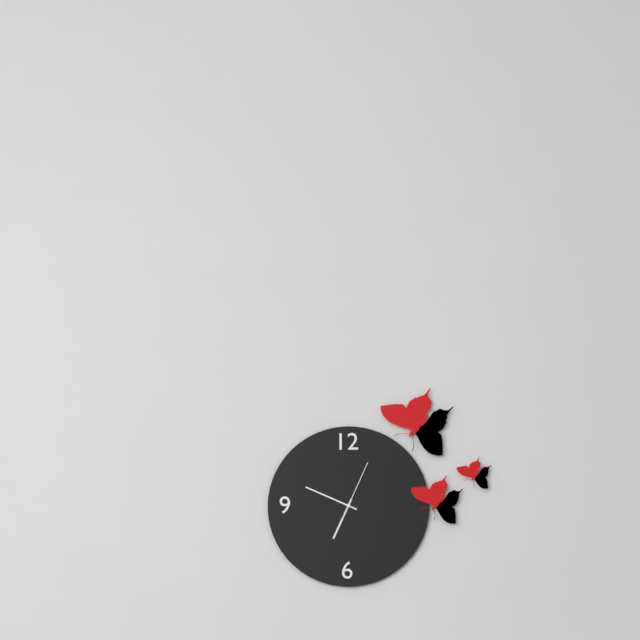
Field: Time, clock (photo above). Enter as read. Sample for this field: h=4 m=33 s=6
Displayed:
h=6 m=49 s=4
